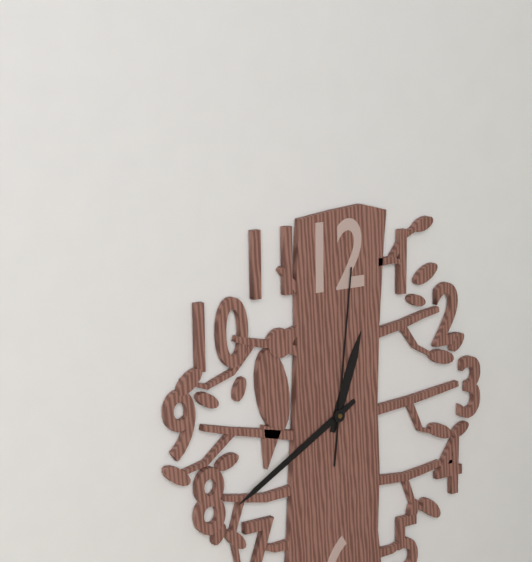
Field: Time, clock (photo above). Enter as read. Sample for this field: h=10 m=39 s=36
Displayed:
h=12 m=40 s=1
